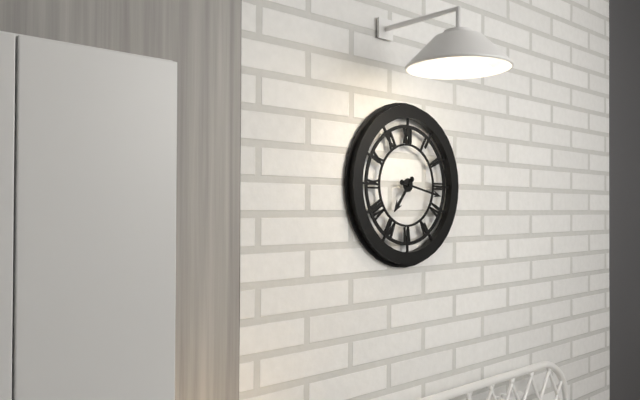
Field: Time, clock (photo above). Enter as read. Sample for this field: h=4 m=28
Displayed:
h=7 m=17
